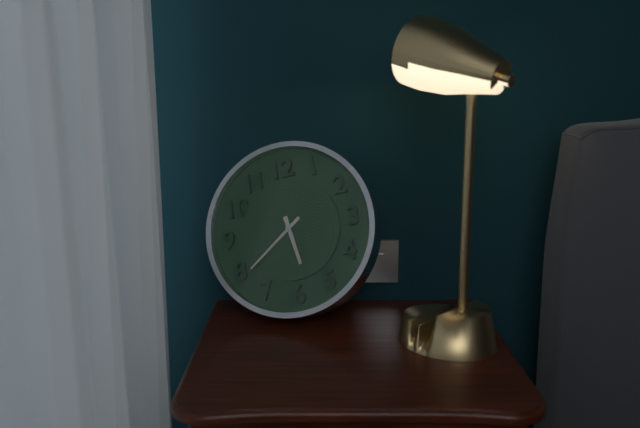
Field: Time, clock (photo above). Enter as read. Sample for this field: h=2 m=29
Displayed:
h=5 m=39
